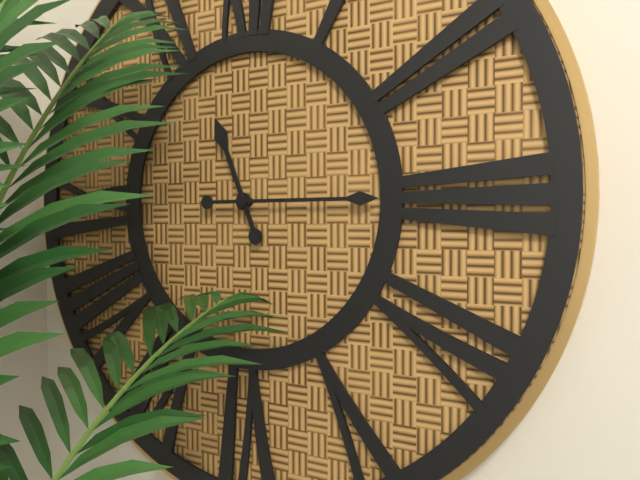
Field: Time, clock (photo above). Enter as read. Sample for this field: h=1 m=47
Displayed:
h=11 m=15
